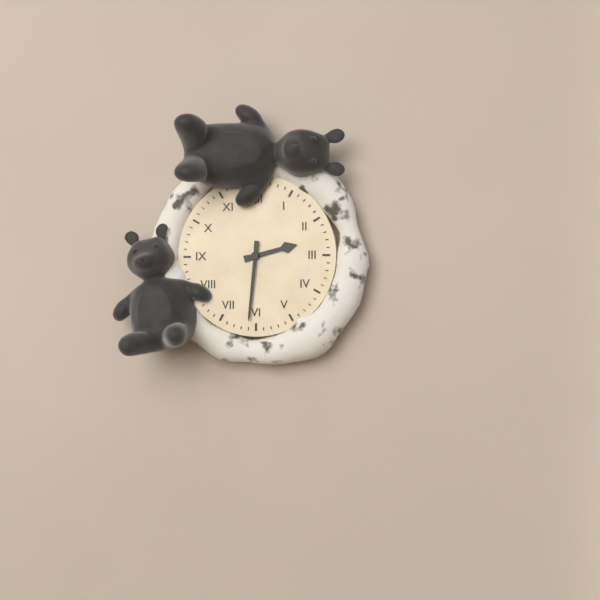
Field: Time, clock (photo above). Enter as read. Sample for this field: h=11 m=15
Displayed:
h=2 m=31
